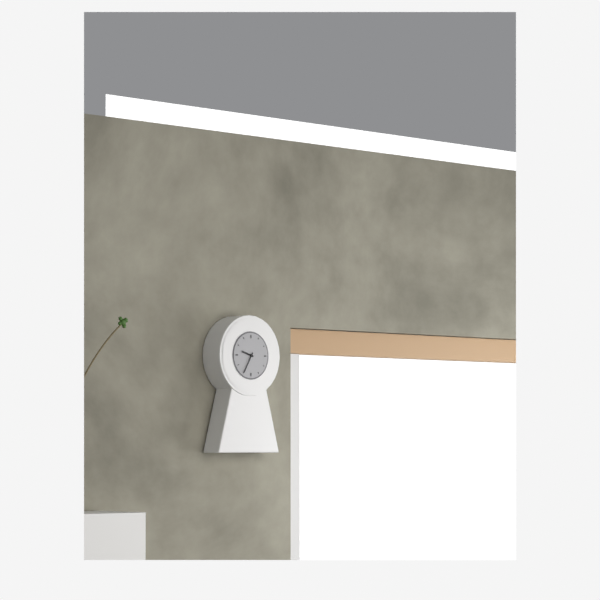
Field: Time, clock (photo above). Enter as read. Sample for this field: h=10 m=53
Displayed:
h=9 m=35
